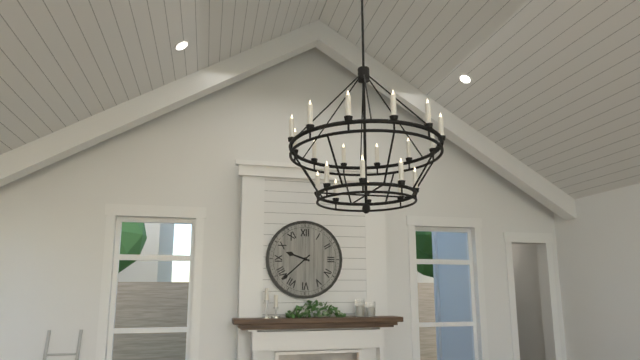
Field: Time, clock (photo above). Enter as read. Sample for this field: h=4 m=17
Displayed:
h=9 m=38
